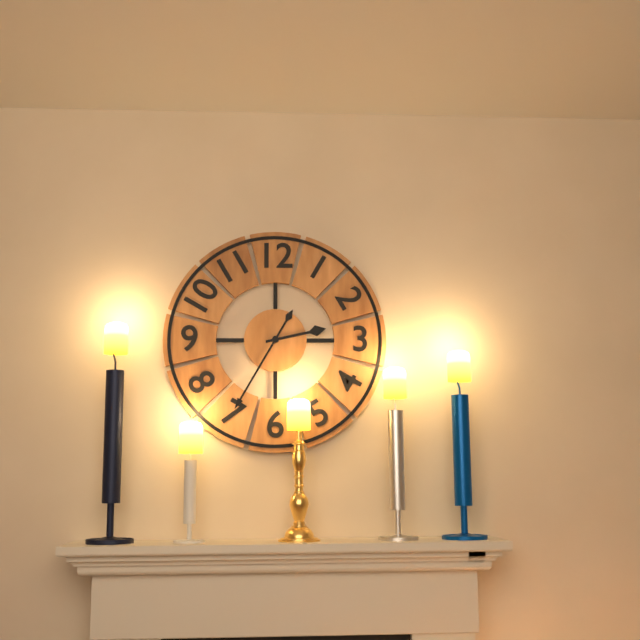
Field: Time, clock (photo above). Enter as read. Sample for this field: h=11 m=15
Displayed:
h=2 m=35
